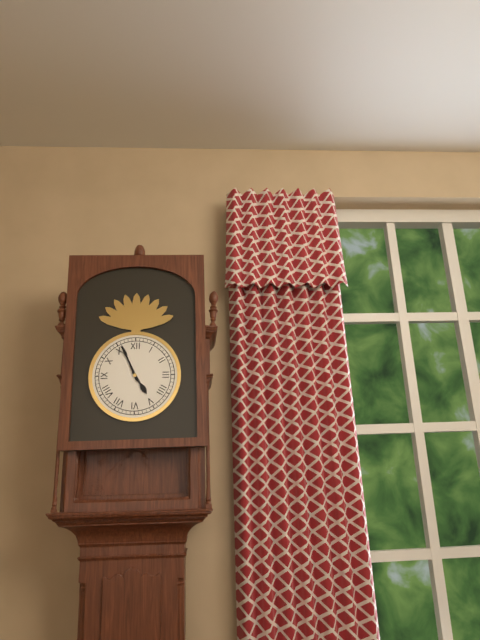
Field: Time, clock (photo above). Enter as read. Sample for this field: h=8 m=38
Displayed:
h=4 m=56
